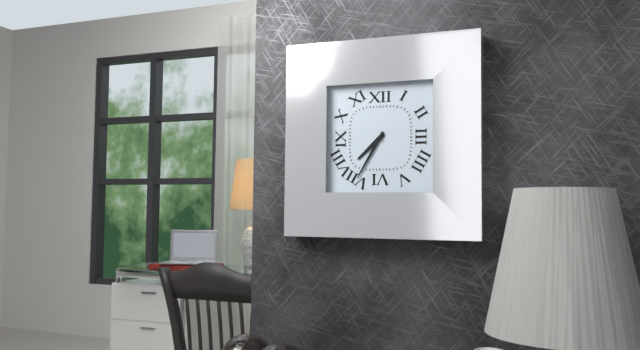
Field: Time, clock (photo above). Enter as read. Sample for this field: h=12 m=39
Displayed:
h=7 m=35
